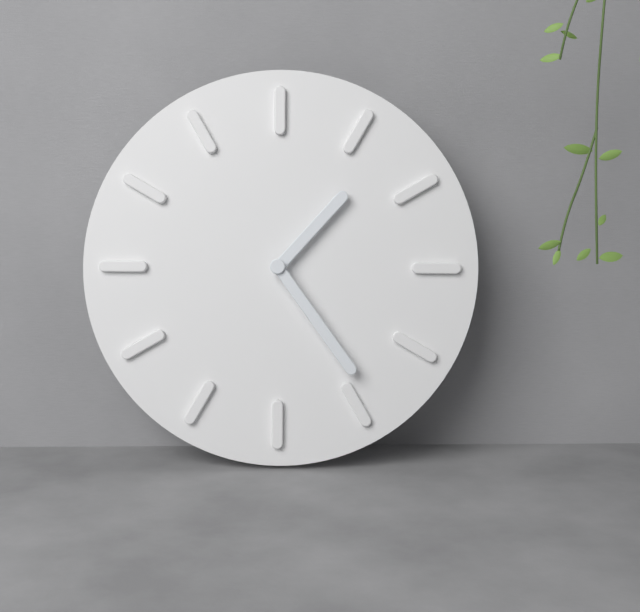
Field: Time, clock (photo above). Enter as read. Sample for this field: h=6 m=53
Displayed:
h=1 m=24
